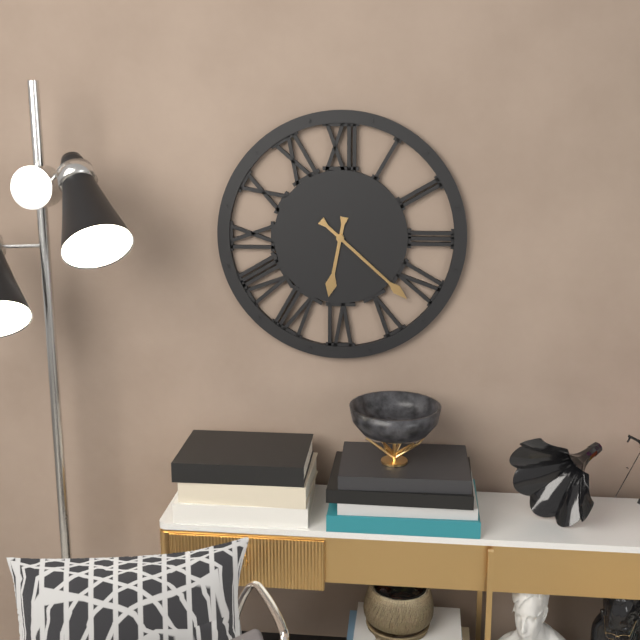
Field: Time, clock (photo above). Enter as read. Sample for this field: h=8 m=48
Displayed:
h=6 m=22
